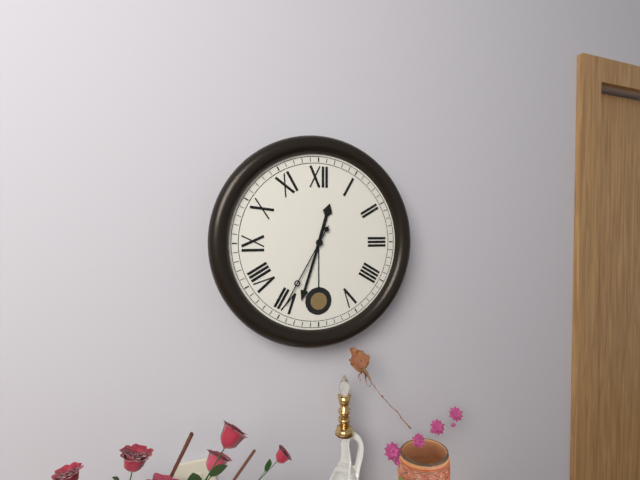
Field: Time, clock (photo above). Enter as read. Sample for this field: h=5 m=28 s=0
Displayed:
h=12 m=33 s=35
